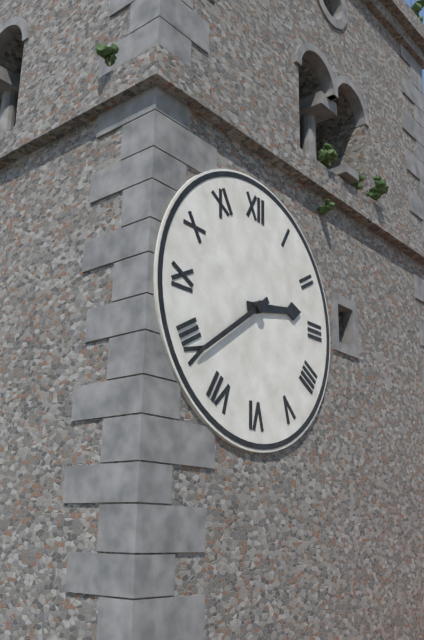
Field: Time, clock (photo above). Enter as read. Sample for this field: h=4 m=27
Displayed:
h=2 m=39
